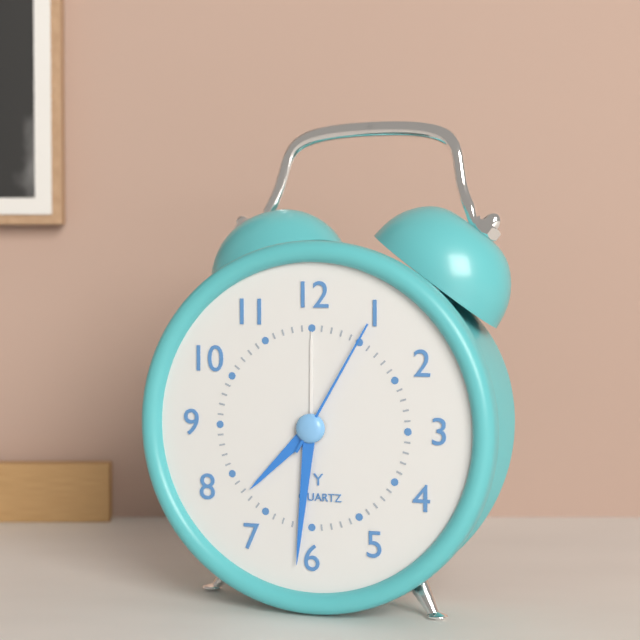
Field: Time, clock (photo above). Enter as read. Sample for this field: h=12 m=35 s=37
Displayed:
h=7 m=31 s=5
